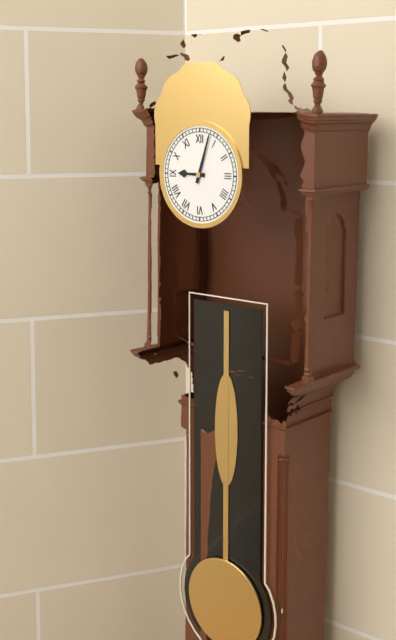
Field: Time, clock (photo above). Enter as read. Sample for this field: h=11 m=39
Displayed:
h=9 m=3
